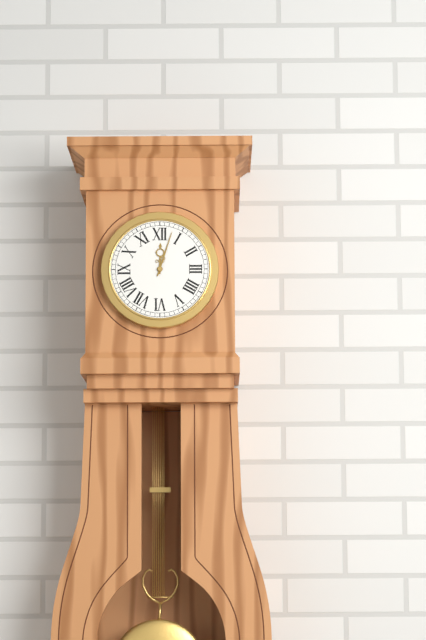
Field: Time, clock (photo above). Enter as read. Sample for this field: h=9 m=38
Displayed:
h=12 m=3
